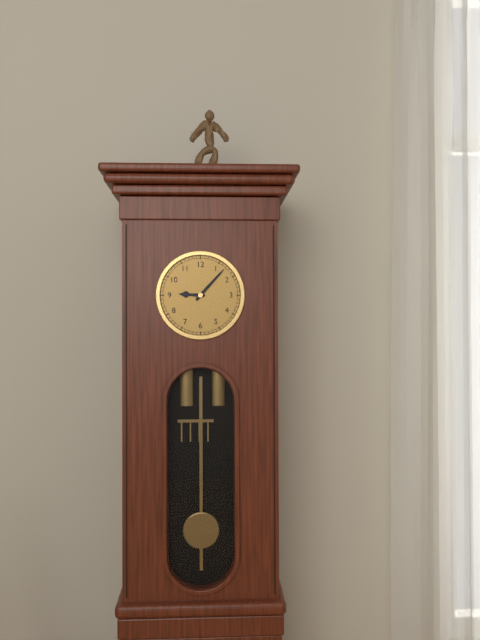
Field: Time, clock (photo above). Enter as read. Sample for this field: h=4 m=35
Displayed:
h=9 m=7
